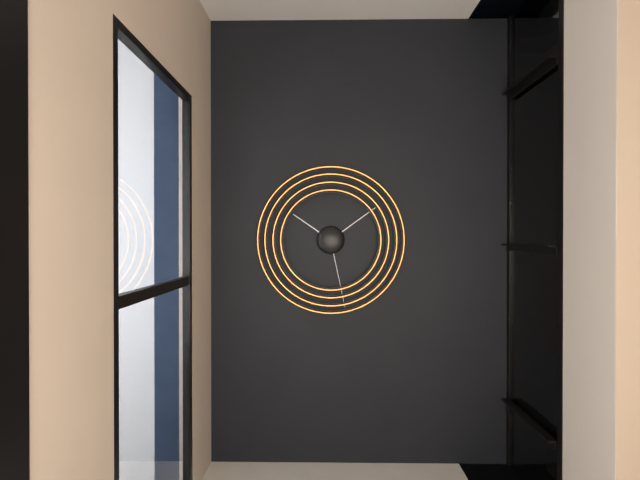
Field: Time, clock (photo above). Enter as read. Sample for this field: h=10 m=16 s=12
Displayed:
h=10 m=9 s=28
